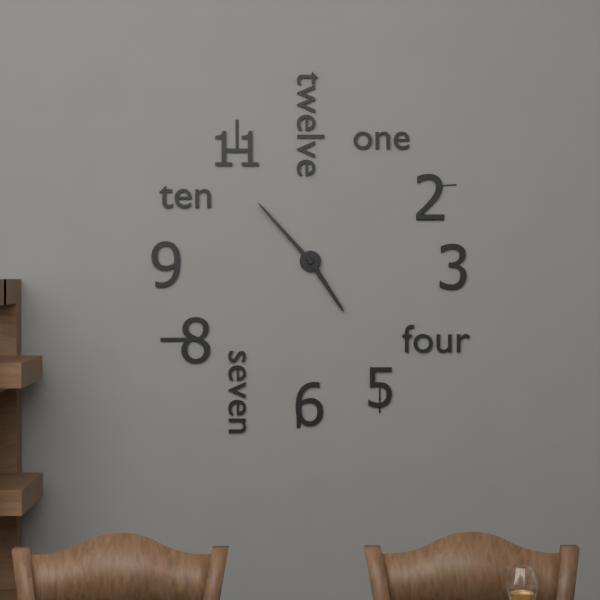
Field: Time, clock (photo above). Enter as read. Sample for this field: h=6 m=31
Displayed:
h=4 m=53
